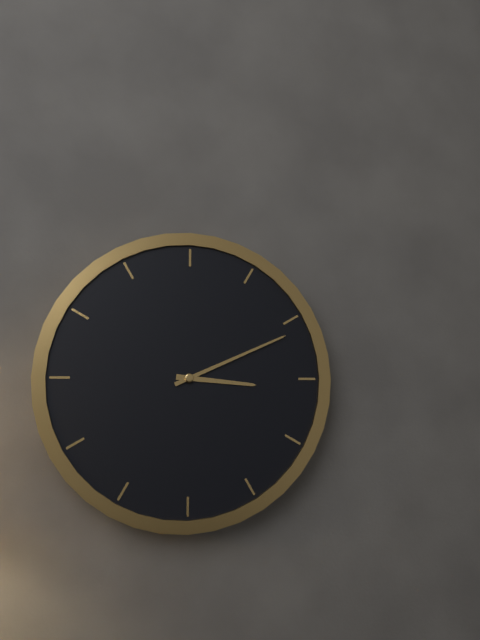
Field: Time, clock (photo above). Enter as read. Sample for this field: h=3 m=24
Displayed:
h=3 m=11
